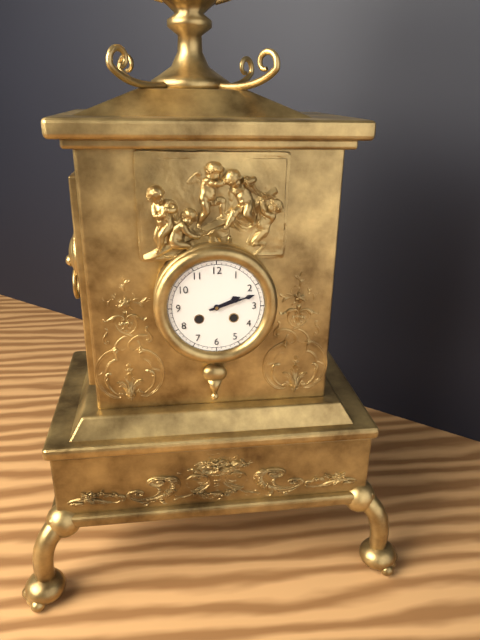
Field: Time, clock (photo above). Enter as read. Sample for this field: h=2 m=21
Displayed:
h=2 m=12
